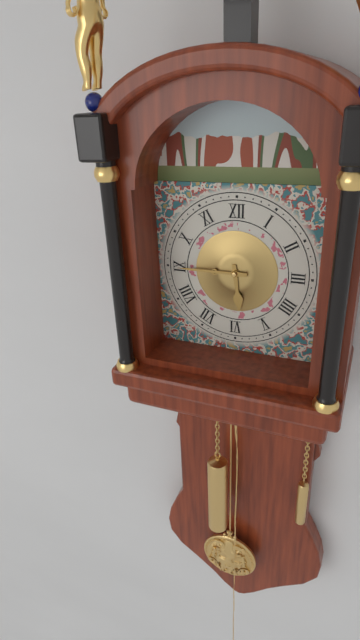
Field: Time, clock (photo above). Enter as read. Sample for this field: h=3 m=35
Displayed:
h=5 m=45
